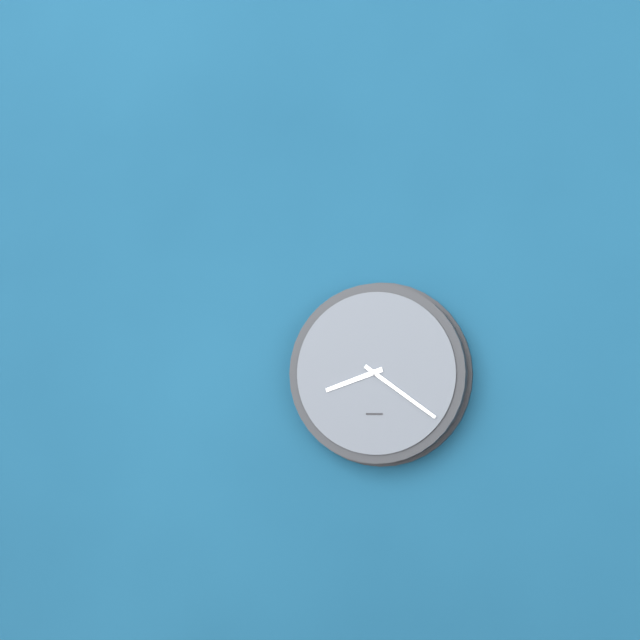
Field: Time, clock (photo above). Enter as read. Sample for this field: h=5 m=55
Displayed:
h=8 m=21
